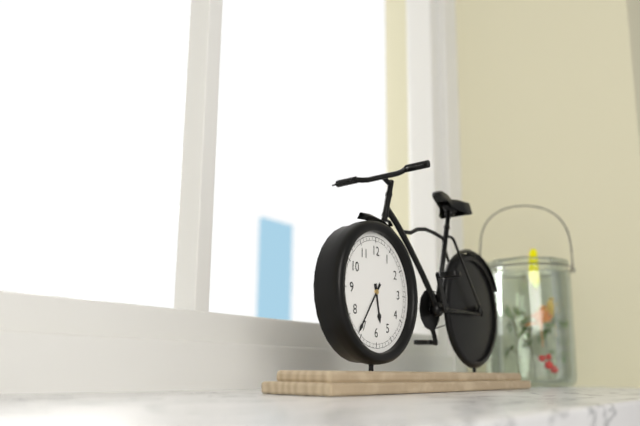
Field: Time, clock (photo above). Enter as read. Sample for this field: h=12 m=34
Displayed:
h=5 m=36
